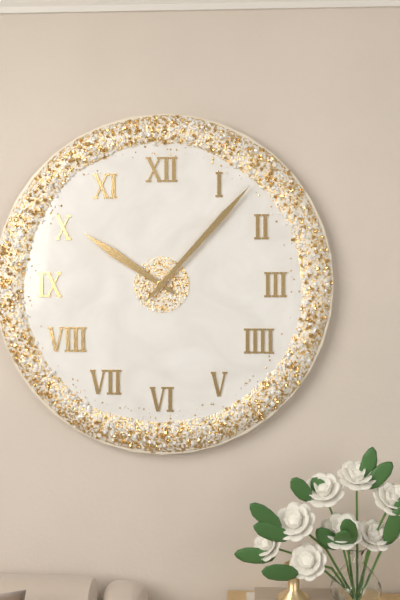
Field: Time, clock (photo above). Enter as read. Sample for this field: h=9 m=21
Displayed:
h=10 m=7
